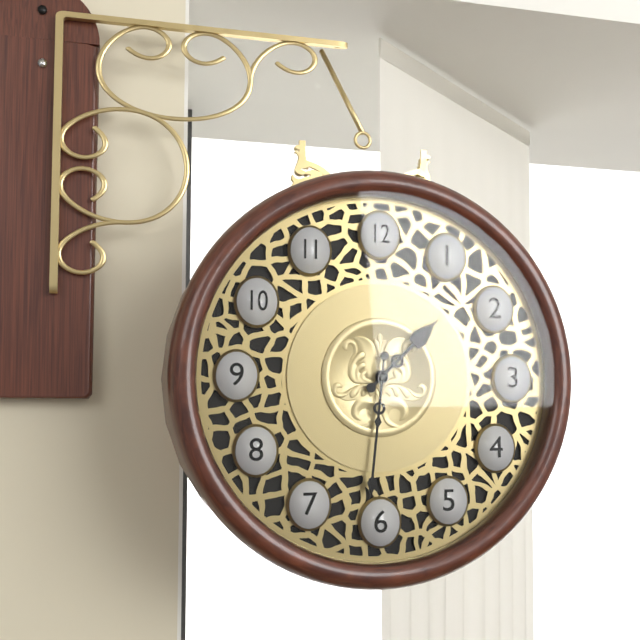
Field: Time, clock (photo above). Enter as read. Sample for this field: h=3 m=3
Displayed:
h=1 m=31
